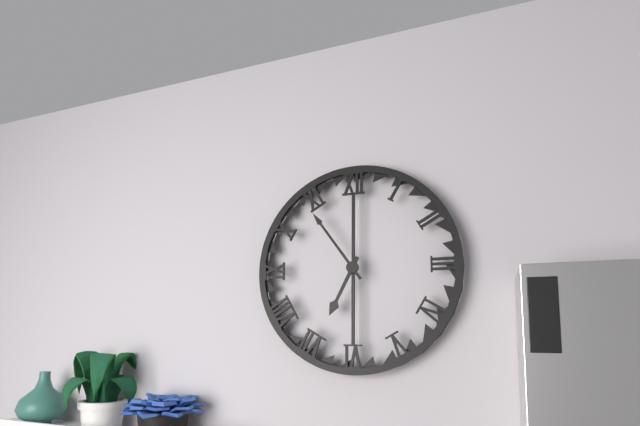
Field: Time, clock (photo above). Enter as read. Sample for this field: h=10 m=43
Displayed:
h=6 m=54
